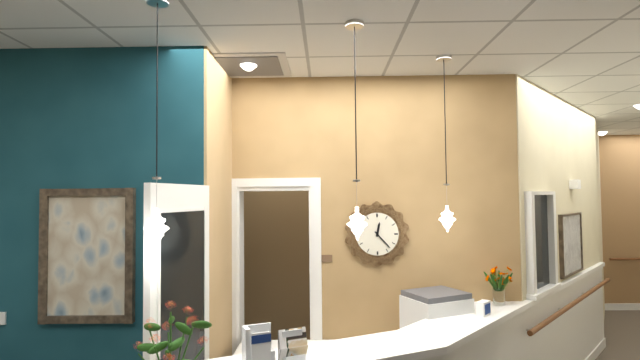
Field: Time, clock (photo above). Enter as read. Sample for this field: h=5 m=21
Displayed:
h=12 m=23
